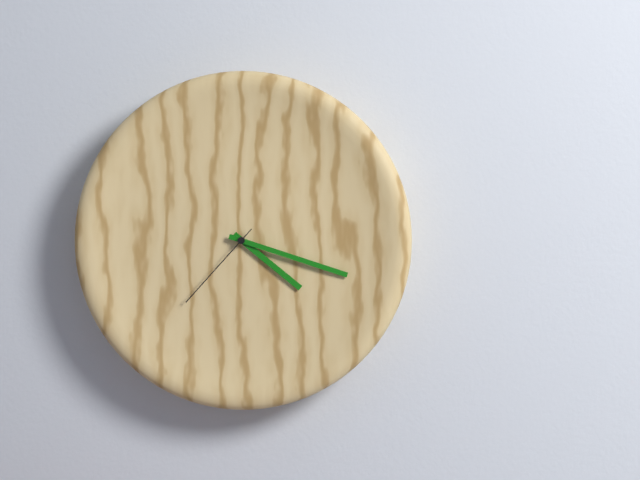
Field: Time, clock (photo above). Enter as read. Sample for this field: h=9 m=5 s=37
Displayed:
h=4 m=18 s=37
